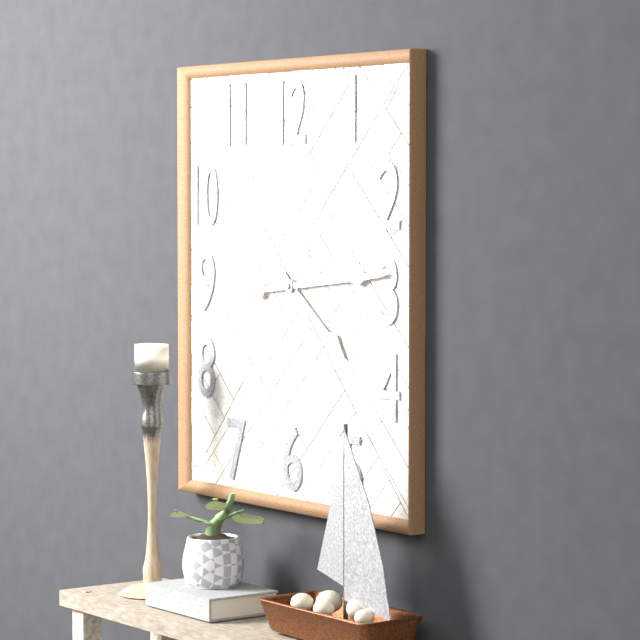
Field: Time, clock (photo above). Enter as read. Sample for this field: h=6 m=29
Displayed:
h=4 m=14
